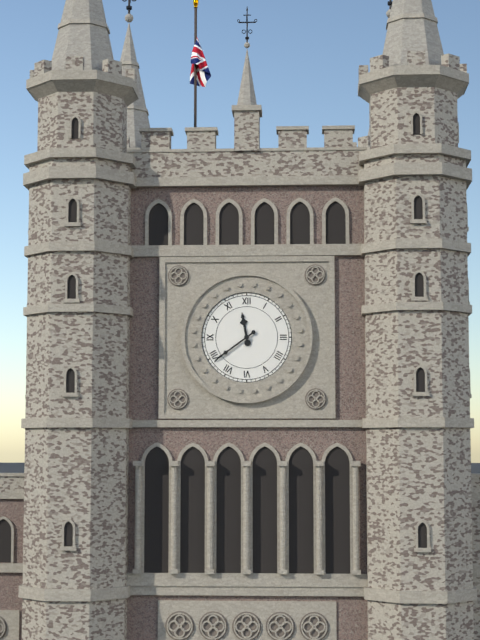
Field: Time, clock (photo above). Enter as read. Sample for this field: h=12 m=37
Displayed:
h=11 m=39
